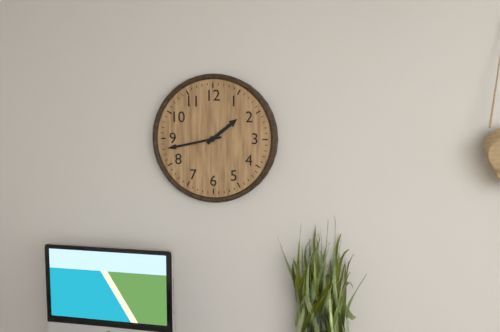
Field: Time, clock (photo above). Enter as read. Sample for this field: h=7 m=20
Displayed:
h=1 m=43
